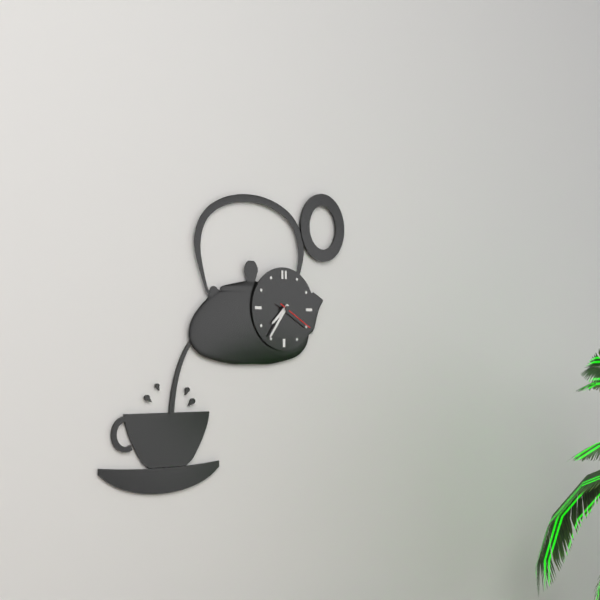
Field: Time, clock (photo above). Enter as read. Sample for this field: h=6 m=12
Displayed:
h=7 m=36
